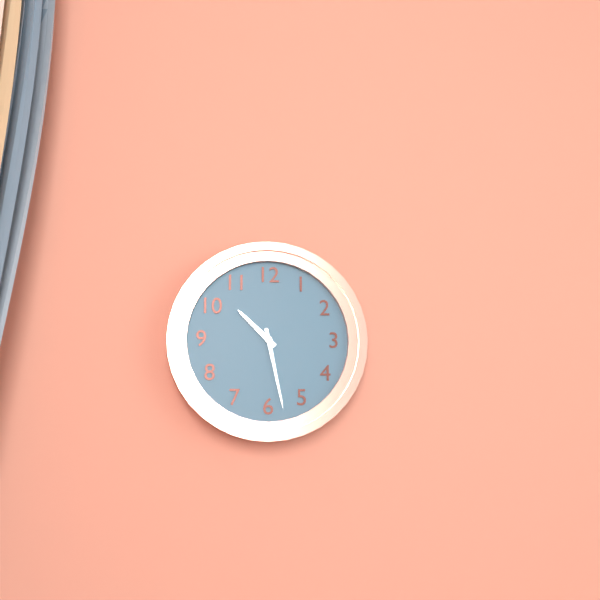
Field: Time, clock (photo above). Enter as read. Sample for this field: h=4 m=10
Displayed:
h=10 m=28
